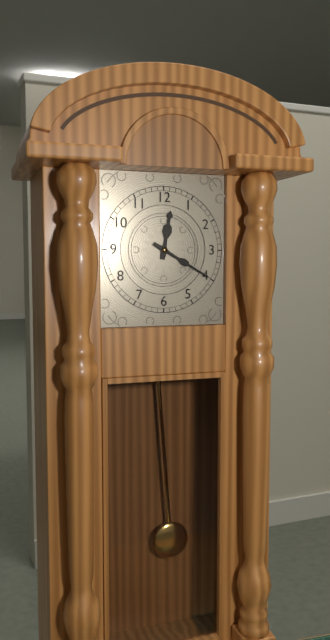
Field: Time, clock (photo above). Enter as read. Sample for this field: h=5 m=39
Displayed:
h=12 m=20
